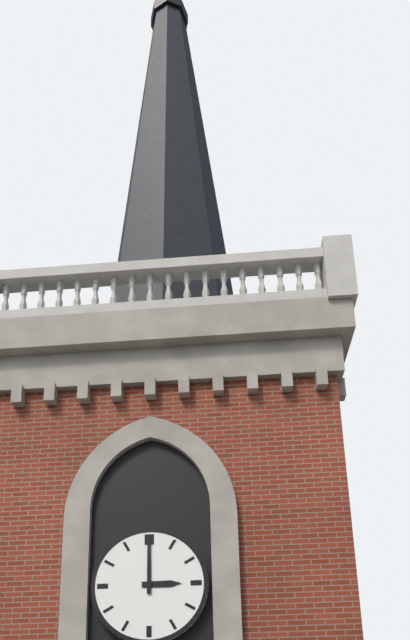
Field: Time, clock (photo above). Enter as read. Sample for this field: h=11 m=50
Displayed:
h=3 m=0
